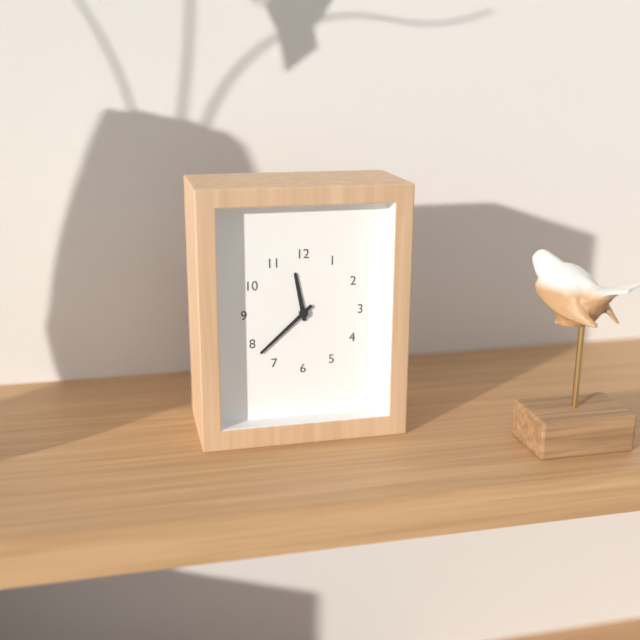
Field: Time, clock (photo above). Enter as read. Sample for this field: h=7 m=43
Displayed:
h=11 m=38
